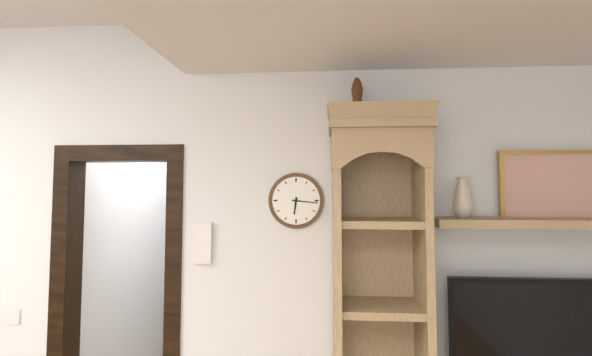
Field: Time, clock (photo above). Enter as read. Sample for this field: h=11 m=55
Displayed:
h=6 m=16
